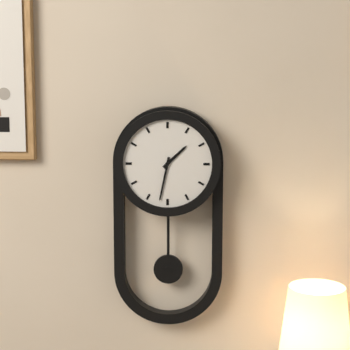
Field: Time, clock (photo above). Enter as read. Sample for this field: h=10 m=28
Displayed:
h=1 m=32
